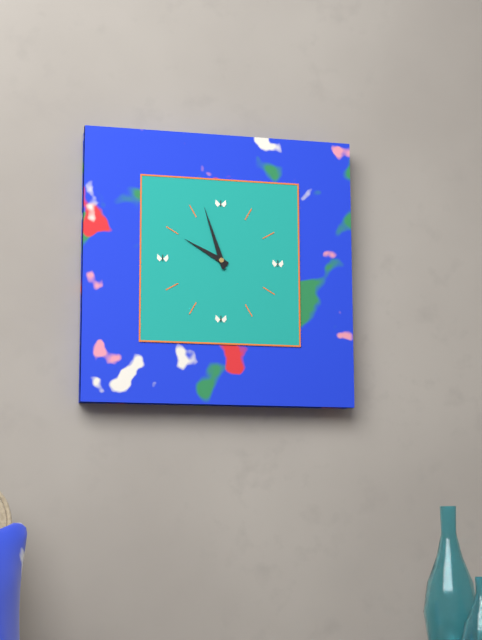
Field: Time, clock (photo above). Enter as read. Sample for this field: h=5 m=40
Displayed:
h=9 m=57
